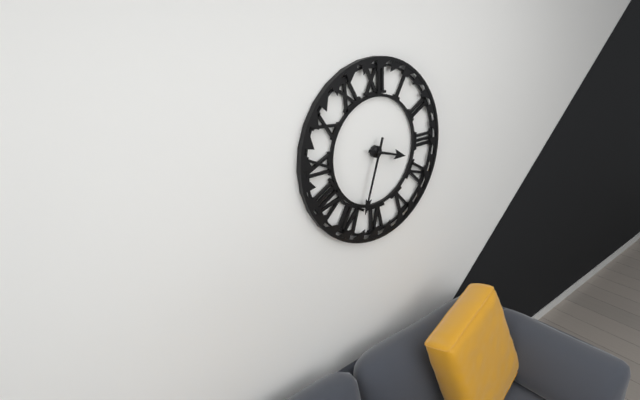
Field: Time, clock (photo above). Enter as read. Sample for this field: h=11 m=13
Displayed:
h=3 m=33
